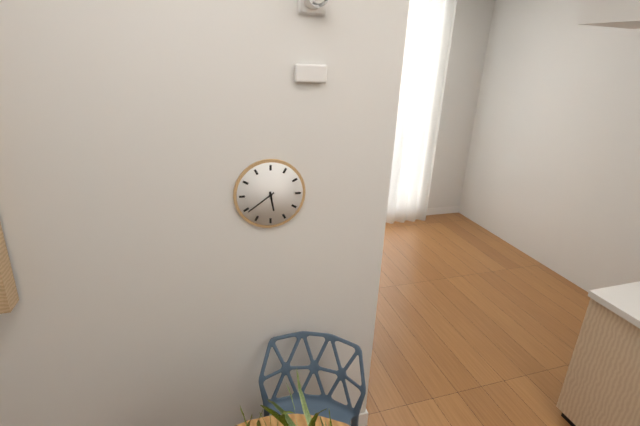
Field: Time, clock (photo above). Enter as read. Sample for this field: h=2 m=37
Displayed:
h=5 m=39
